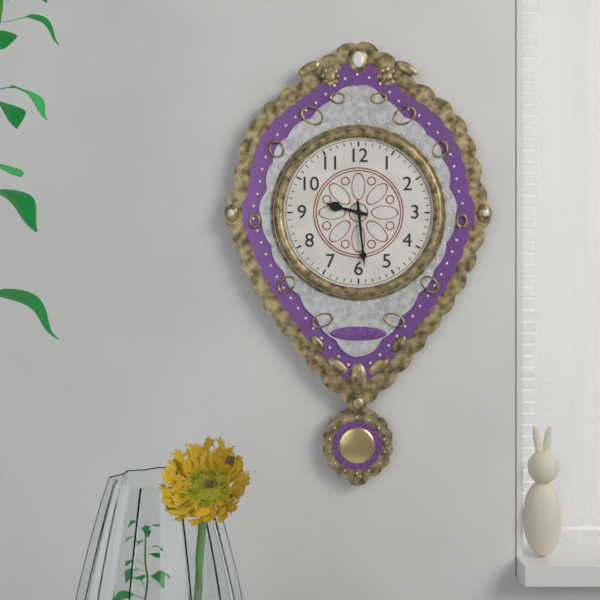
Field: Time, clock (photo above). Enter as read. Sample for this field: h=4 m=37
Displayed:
h=9 m=29
